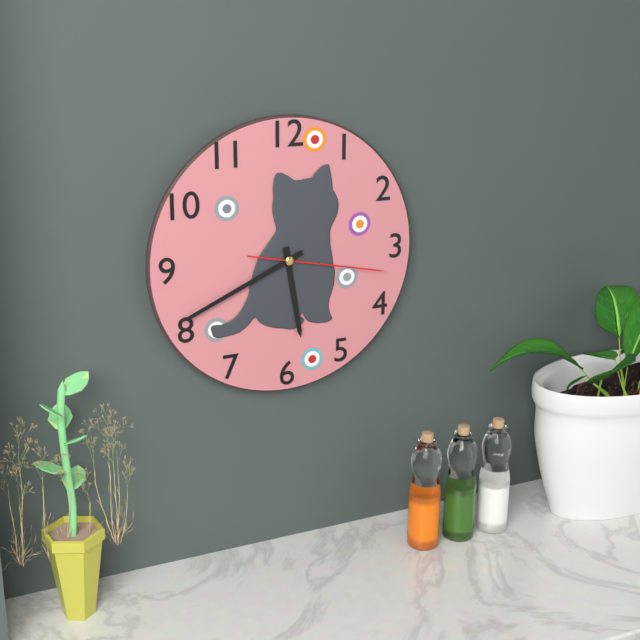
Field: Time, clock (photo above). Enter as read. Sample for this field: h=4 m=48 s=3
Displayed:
h=5 m=41 s=17
